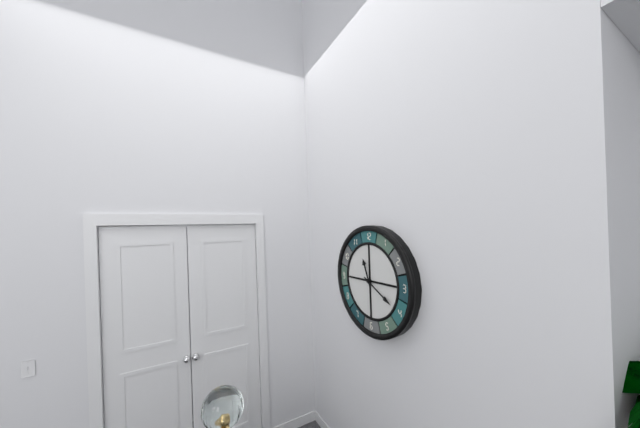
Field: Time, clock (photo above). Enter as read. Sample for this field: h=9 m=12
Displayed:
h=11 m=20
